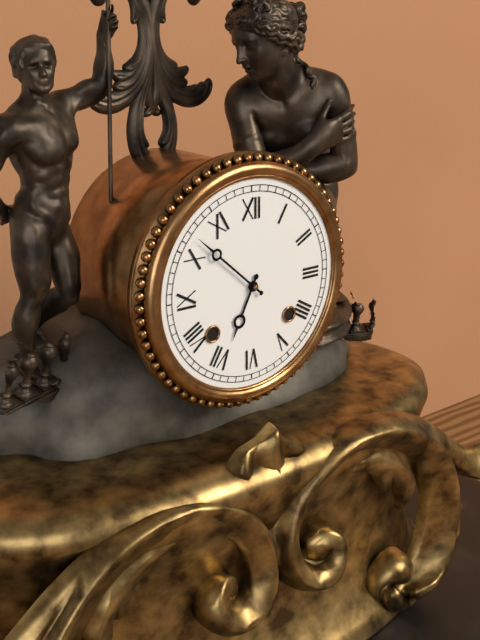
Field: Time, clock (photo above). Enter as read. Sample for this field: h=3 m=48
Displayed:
h=6 m=52
